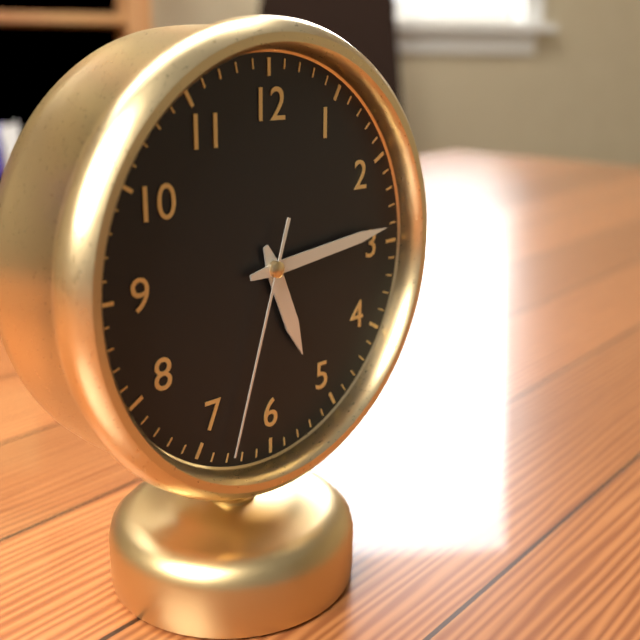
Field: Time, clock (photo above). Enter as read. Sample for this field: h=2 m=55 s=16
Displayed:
h=5 m=14 s=33
